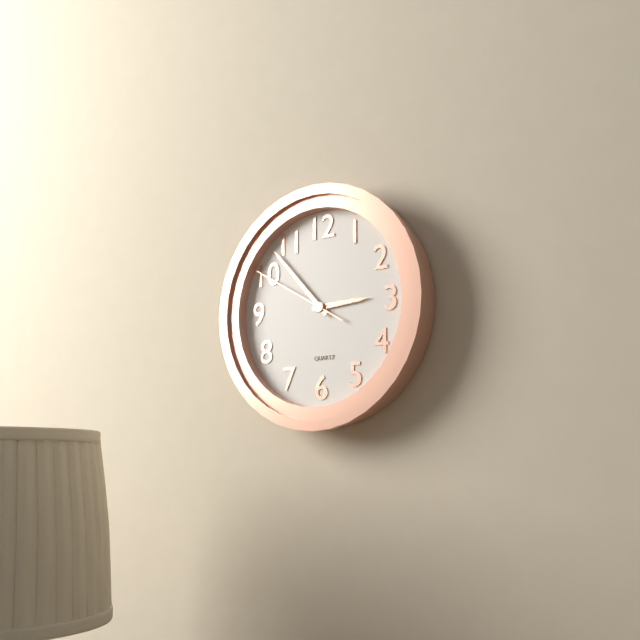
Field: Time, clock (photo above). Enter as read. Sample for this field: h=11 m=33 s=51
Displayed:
h=2 m=53 s=50
